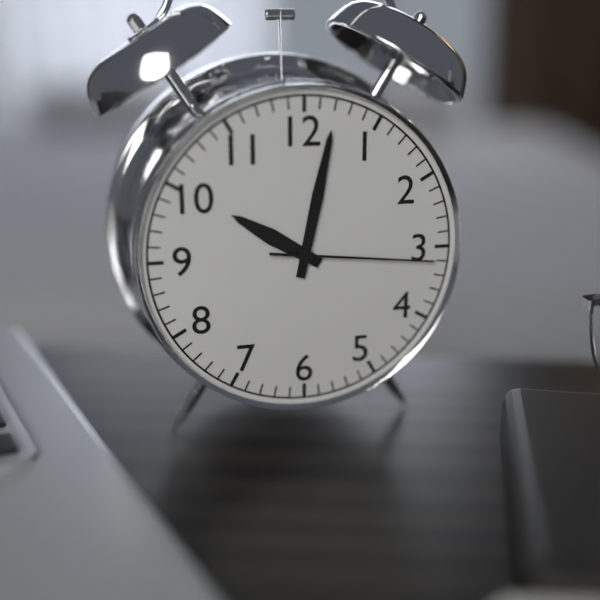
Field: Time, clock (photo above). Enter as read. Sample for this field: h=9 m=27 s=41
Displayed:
h=10 m=2 s=16
